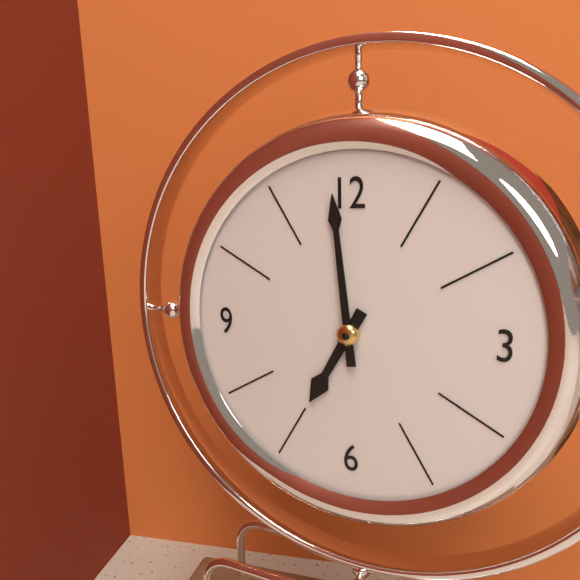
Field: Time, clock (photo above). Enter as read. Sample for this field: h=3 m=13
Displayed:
h=6 m=59
